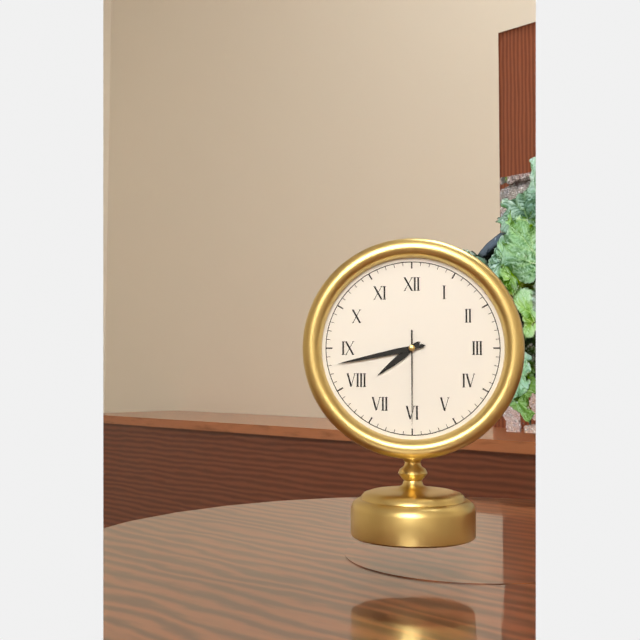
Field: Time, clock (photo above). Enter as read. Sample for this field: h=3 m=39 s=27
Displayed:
h=7 m=43 s=30
